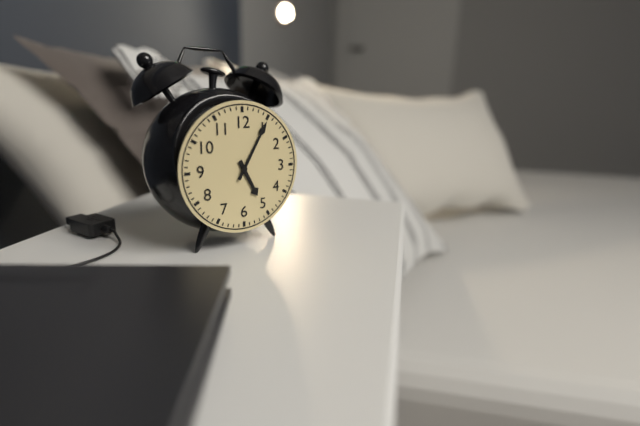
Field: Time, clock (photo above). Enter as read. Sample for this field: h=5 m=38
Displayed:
h=5 m=5
